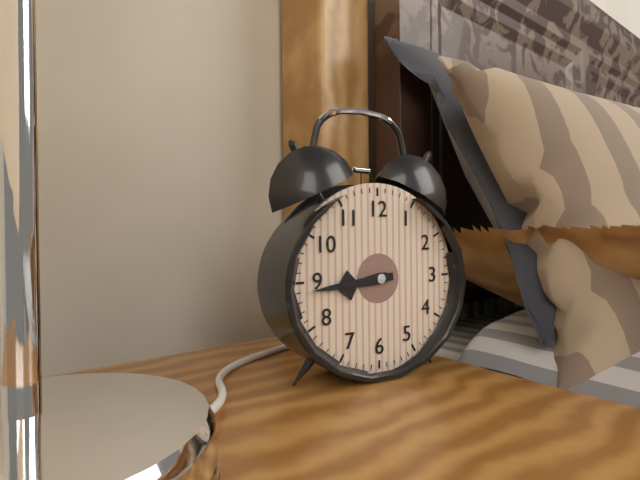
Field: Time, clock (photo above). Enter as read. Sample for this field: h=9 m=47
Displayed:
h=8 m=44
